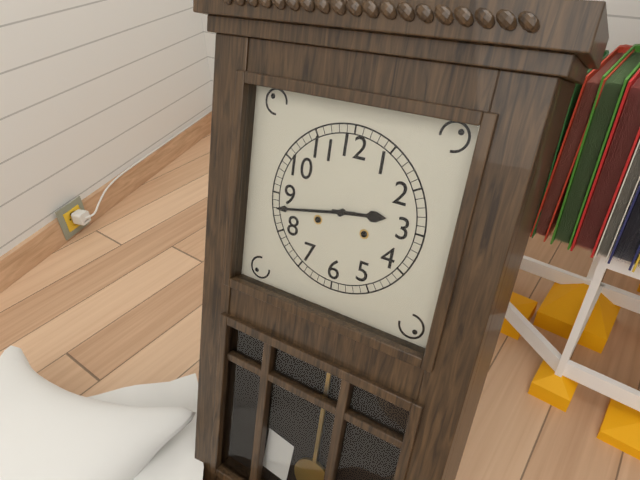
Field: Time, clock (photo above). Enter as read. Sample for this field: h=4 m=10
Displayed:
h=2 m=43
